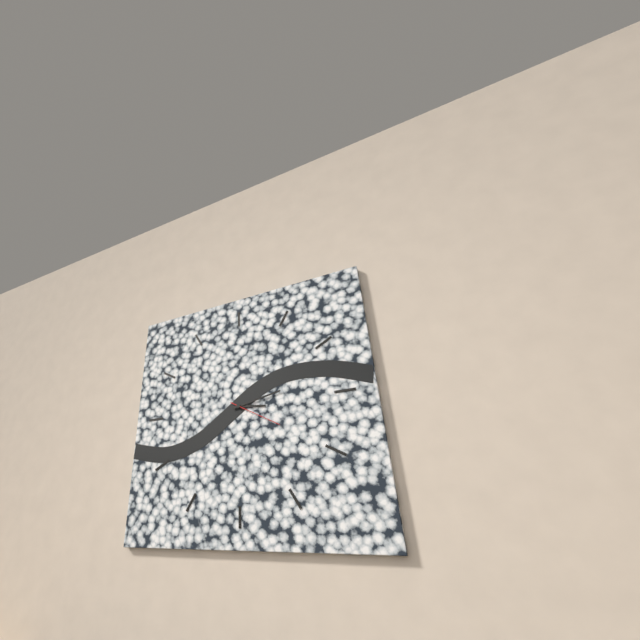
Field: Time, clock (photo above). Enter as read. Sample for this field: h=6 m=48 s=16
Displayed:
h=3 m=13 s=20
